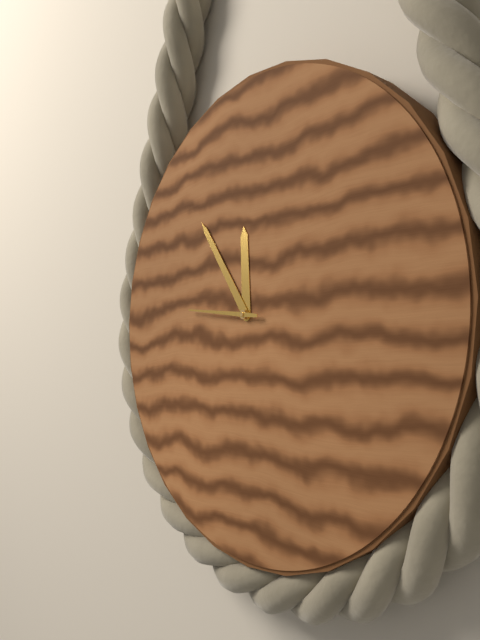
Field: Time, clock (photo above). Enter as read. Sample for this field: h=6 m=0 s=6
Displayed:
h=11 m=54 s=46
